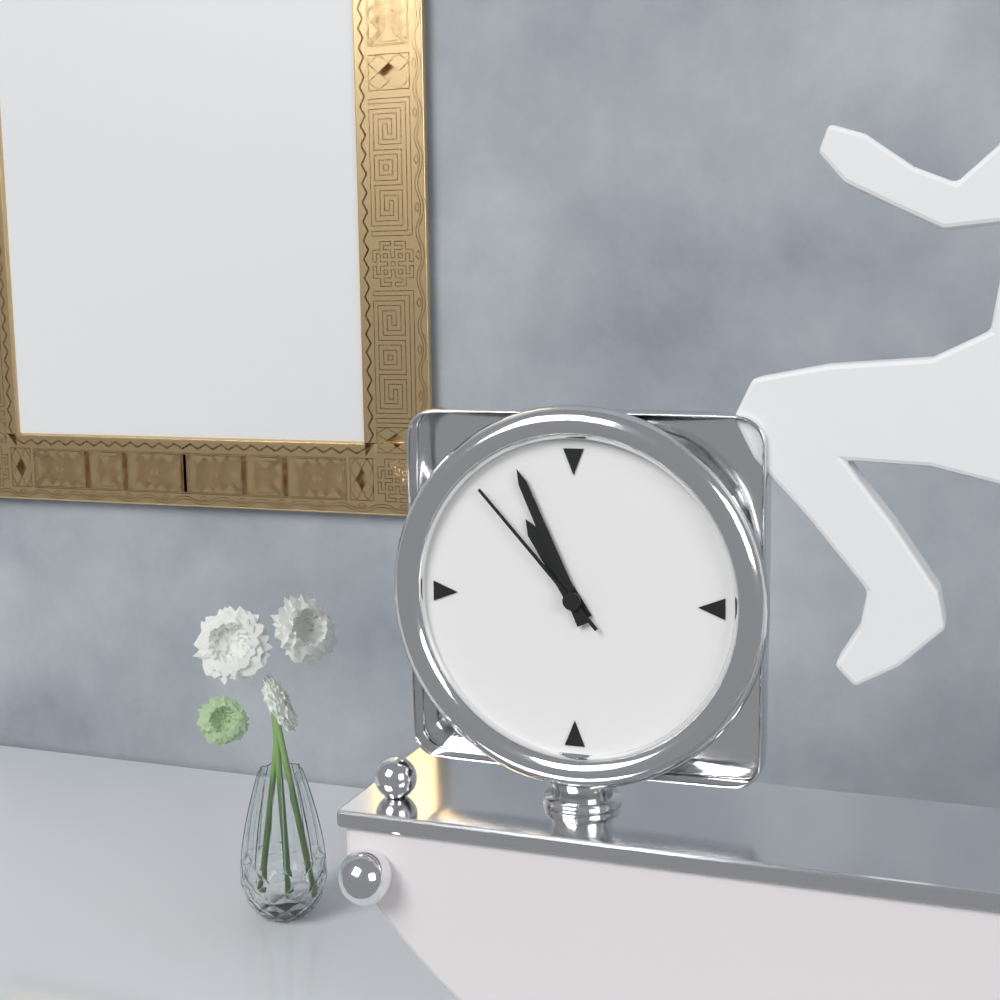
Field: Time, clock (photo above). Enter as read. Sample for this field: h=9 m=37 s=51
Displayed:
h=10 m=56 s=53
